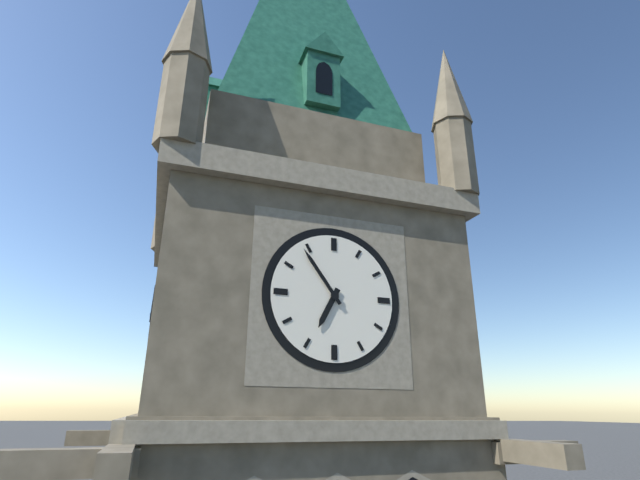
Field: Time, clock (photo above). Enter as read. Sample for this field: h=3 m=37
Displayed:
h=6 m=54
